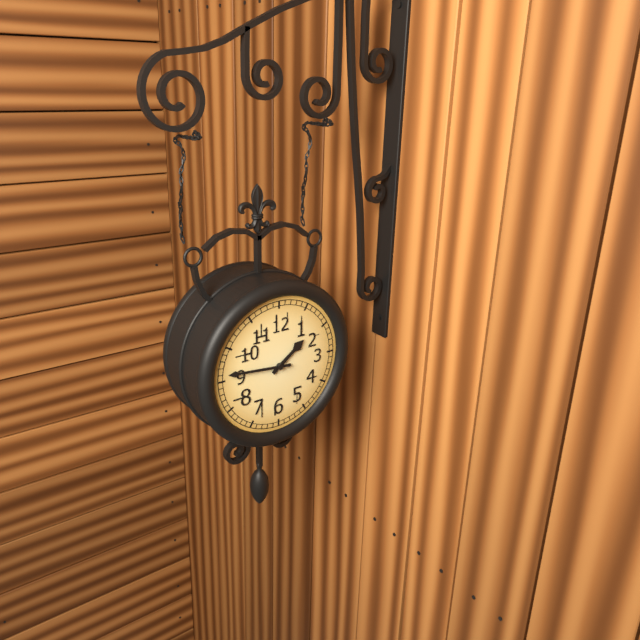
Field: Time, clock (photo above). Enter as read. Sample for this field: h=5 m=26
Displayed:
h=1 m=46
